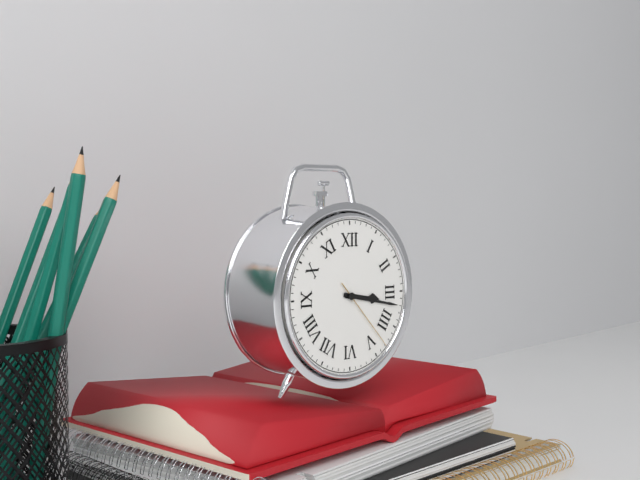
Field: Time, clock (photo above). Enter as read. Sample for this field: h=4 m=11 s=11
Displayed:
h=3 m=17 s=23
